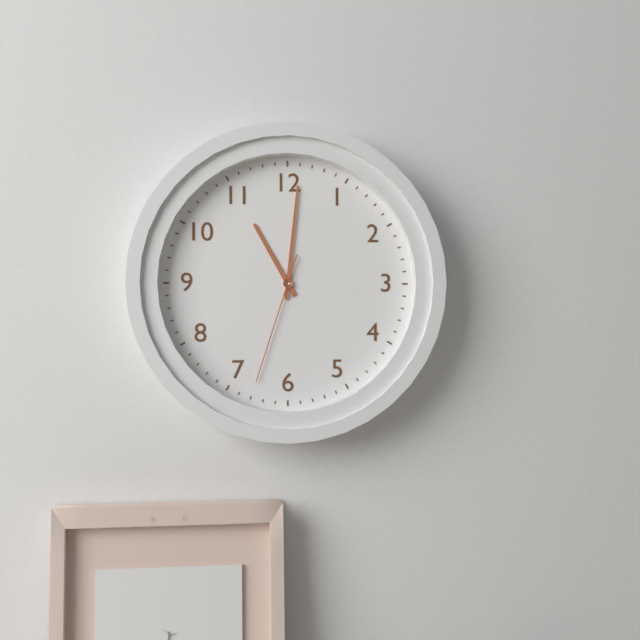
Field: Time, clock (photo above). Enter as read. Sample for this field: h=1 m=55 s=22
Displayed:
h=11 m=1 s=33
